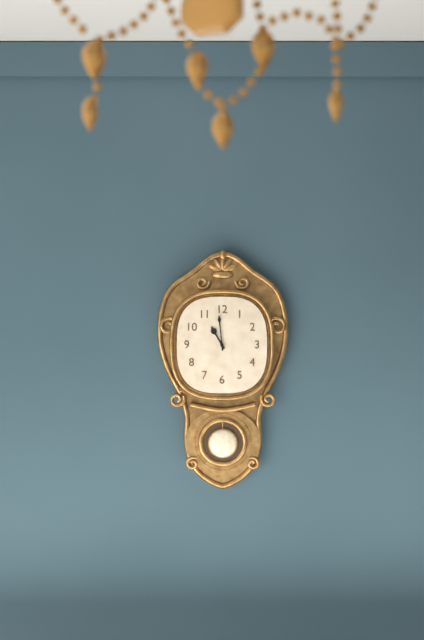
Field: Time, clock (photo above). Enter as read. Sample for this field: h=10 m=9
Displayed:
h=10 m=59
